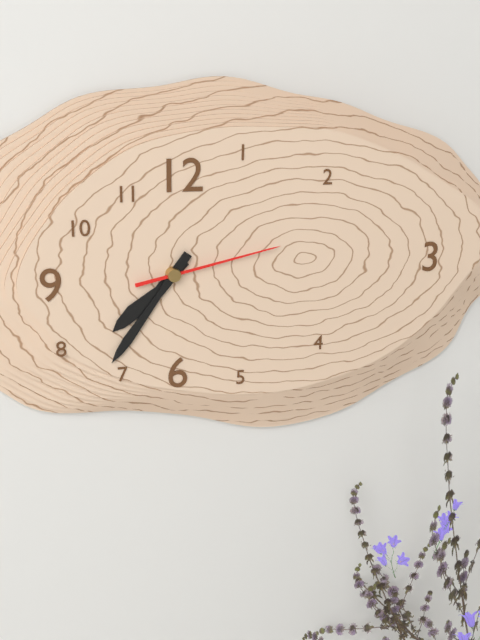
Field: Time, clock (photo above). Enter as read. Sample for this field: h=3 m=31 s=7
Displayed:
h=7 m=36 s=13
